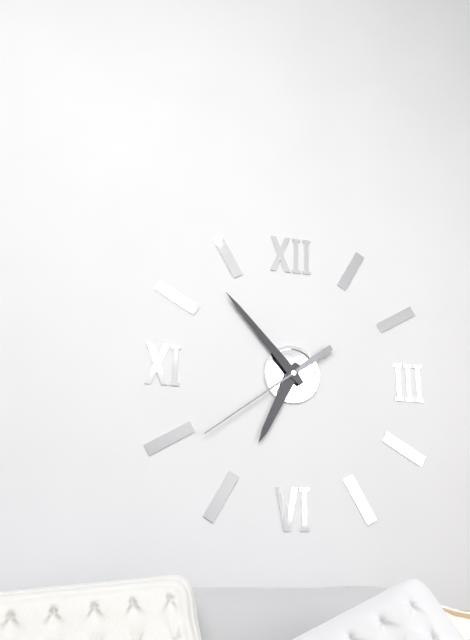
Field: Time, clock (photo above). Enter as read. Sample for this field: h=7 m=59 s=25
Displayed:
h=6 m=53 s=39
